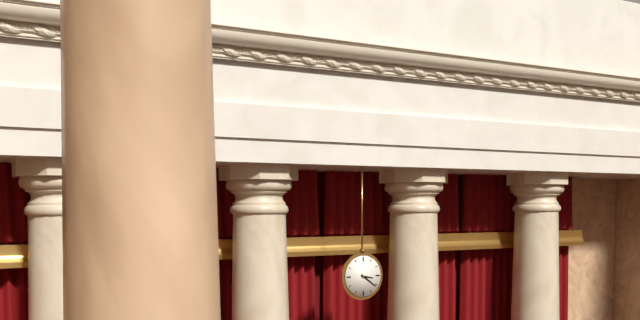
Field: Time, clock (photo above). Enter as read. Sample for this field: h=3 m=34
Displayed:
h=3 m=21
